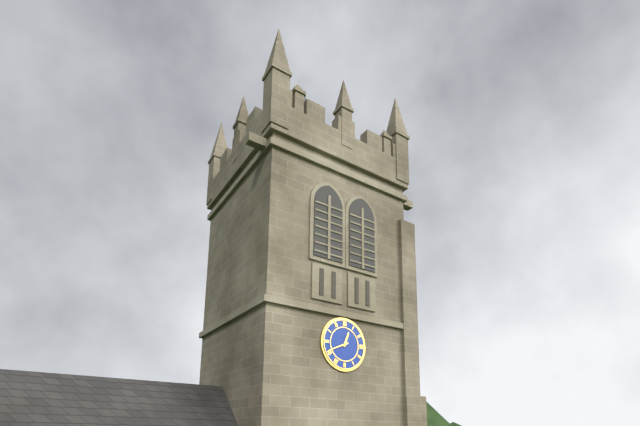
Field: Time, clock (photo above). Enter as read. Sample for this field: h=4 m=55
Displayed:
h=12 m=41
